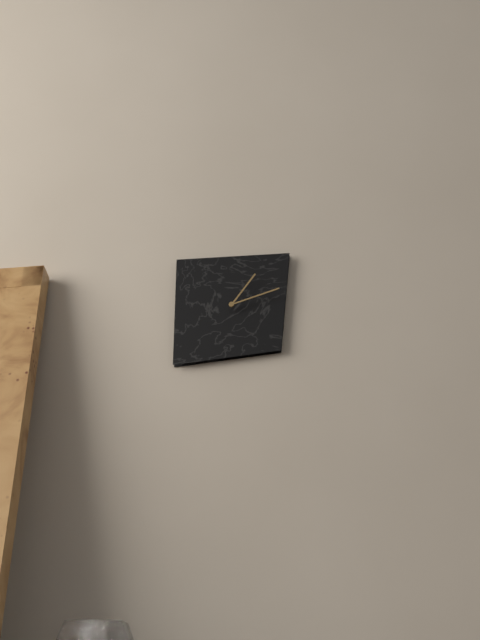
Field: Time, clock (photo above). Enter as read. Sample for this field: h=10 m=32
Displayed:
h=1 m=12
